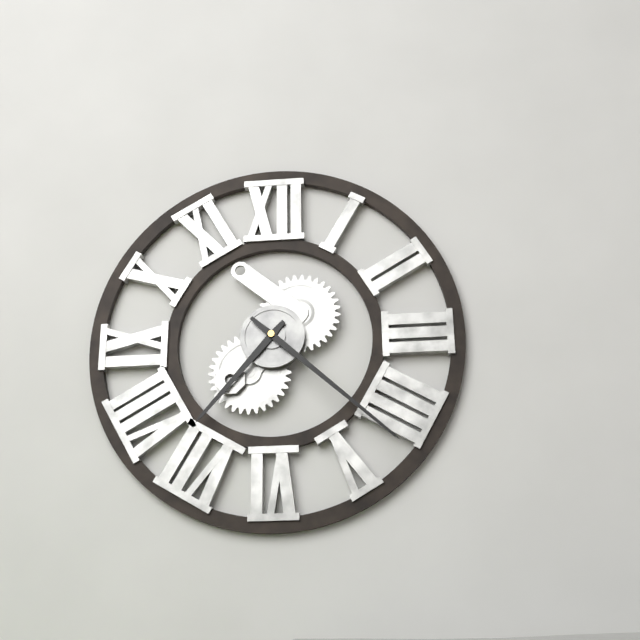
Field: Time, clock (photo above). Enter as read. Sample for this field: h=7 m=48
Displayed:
h=7 m=22
